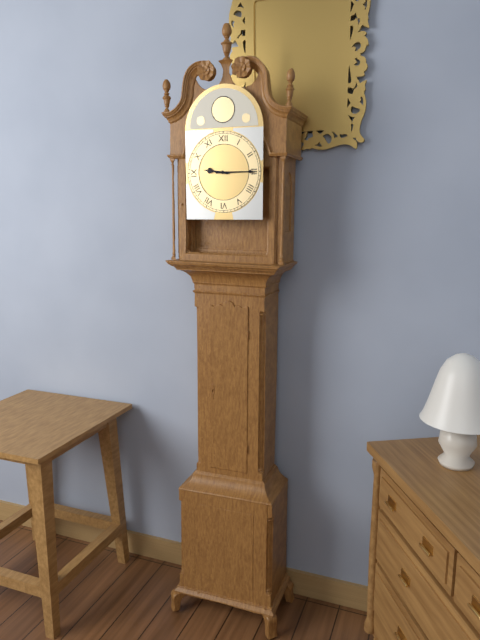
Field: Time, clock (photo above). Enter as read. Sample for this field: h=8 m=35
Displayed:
h=9 m=15
